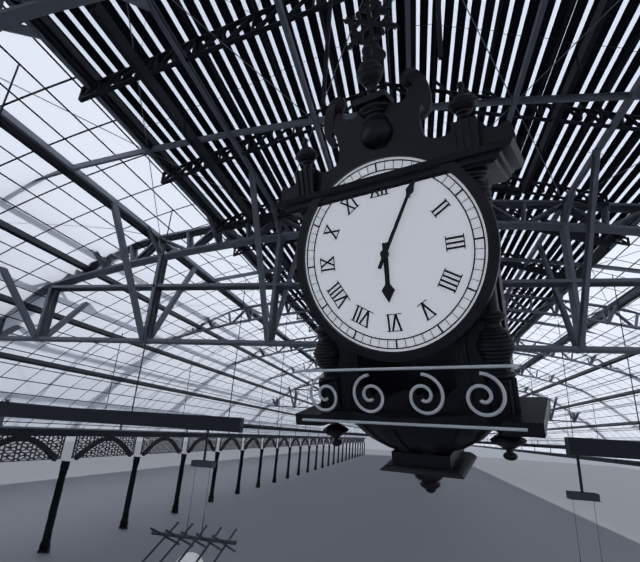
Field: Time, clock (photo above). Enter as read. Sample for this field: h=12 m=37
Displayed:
h=6 m=5
